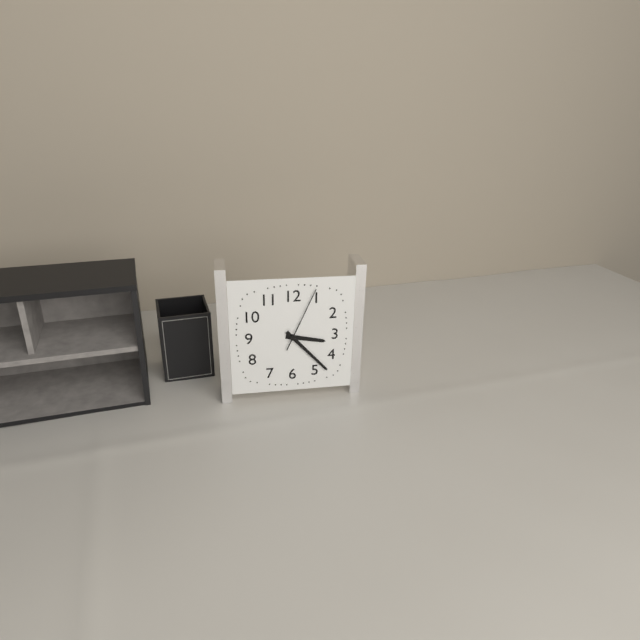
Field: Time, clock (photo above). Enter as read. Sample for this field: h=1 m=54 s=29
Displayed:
h=3 m=23 s=4
